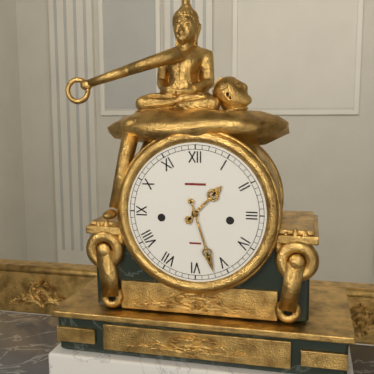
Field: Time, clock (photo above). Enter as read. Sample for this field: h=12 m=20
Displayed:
h=1 m=27
